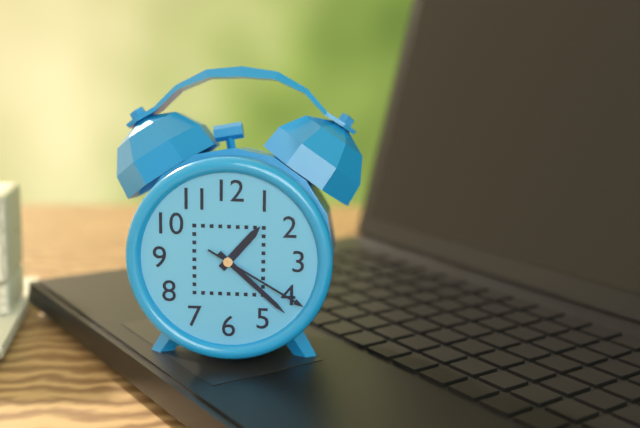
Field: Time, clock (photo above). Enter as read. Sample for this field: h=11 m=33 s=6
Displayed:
h=1 m=22 s=20
